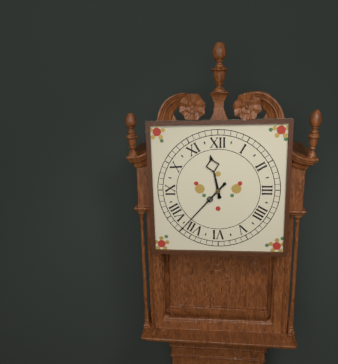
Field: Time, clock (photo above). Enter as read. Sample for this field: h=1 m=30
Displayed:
h=11 m=37
